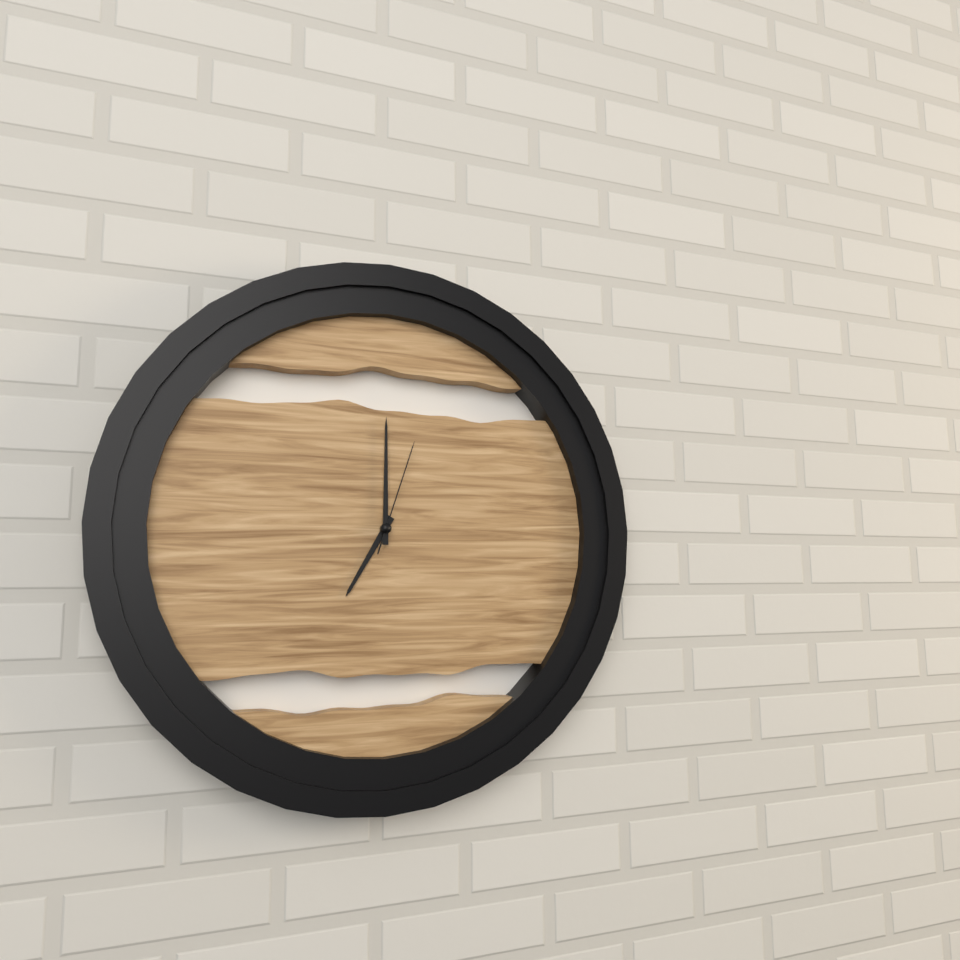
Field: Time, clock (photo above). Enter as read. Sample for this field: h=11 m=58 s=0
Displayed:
h=7 m=0 s=3
